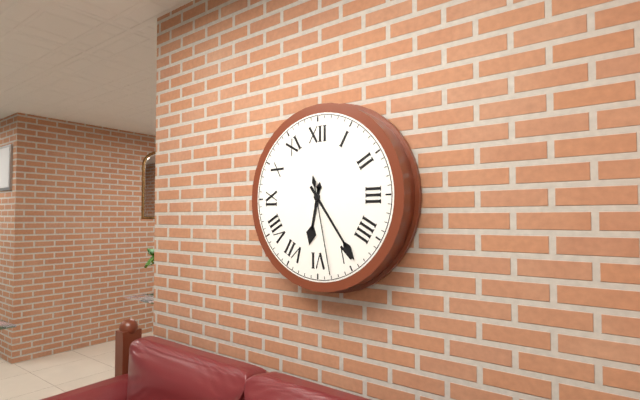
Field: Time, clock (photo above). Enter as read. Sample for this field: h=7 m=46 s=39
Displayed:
h=6 m=24 s=28
